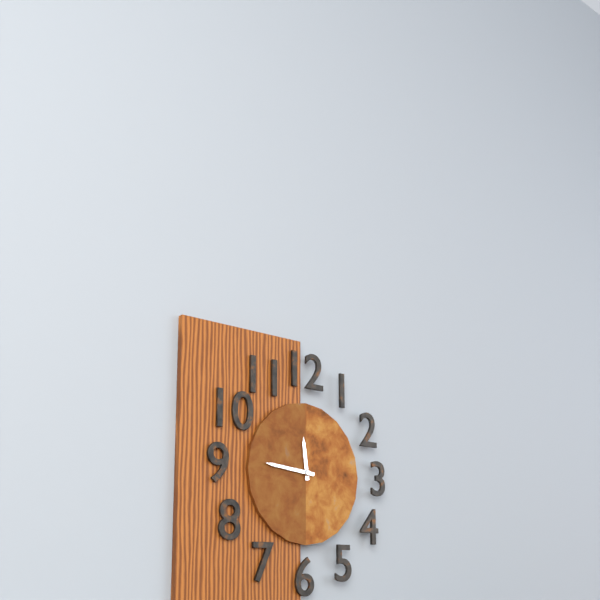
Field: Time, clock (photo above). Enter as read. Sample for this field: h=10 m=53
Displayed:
h=11 m=46
